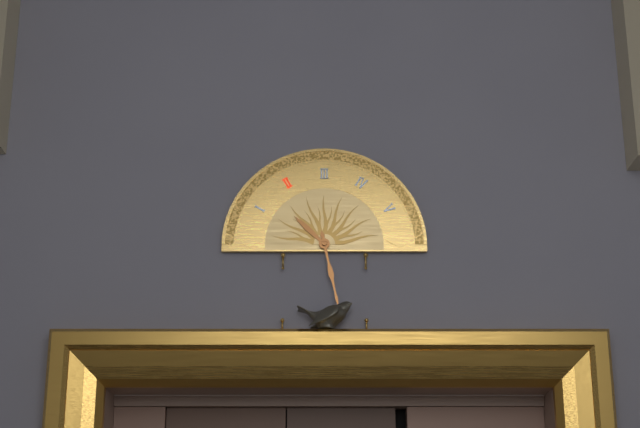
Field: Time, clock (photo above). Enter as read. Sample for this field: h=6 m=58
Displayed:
h=10 m=28
